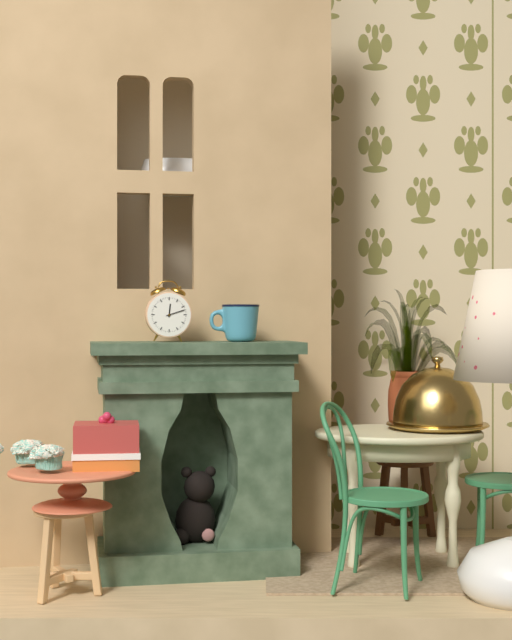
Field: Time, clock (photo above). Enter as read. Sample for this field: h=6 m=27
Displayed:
h=12 m=12
